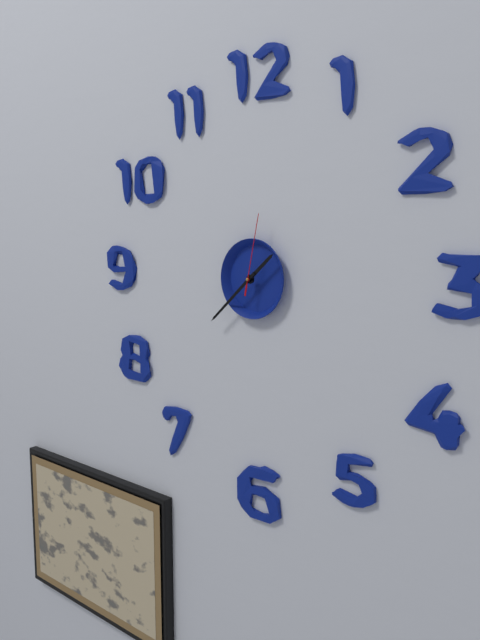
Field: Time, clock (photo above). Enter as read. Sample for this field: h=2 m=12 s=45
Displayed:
h=1 m=38 s=2
